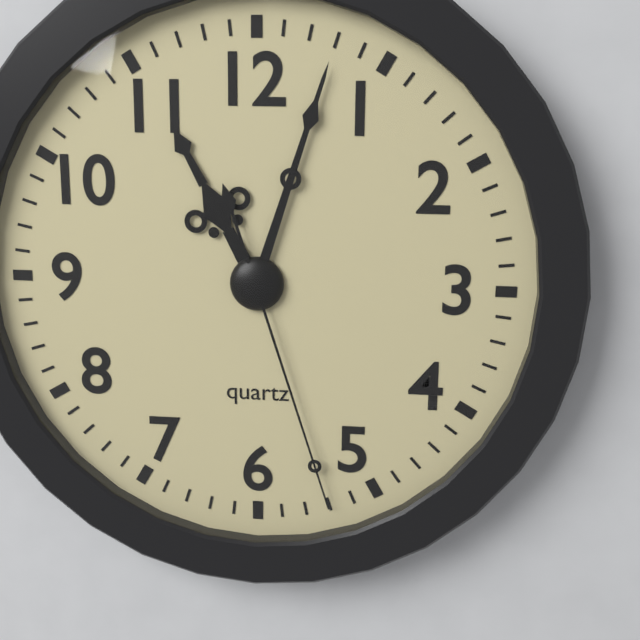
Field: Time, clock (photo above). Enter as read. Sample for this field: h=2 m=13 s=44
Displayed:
h=11 m=3 s=27
